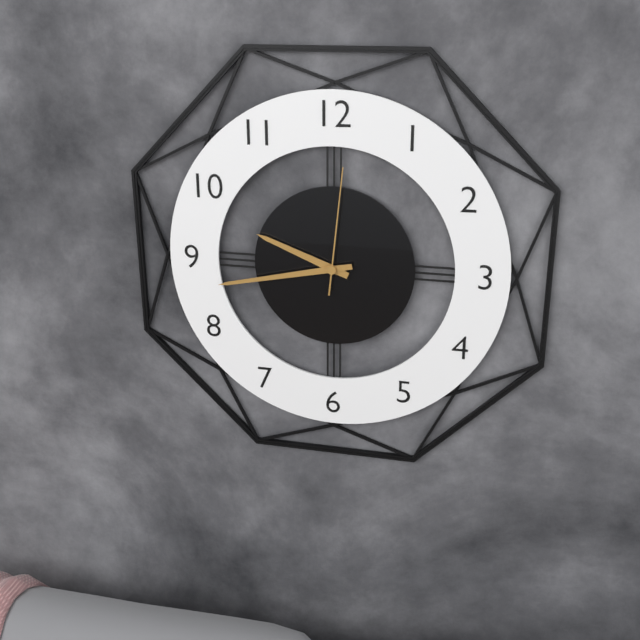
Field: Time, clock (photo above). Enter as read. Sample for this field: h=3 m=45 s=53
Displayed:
h=9 m=43 s=1
